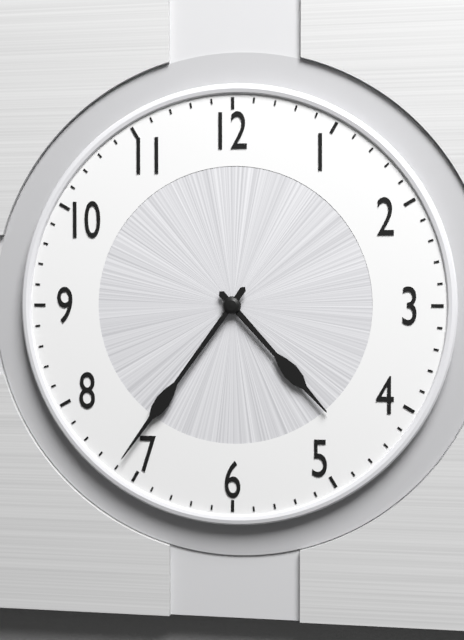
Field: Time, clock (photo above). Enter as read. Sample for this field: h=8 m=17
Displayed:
h=4 m=36
